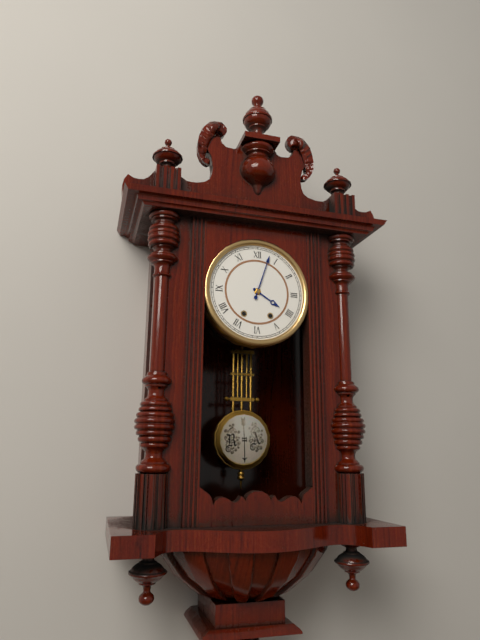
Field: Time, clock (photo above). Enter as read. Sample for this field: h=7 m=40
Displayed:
h=4 m=3
